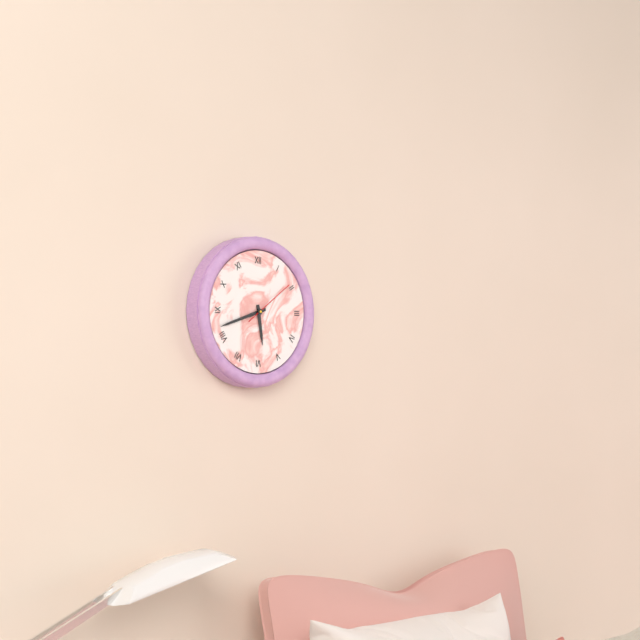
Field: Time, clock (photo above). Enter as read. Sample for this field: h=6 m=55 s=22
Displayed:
h=5 m=42 s=9
